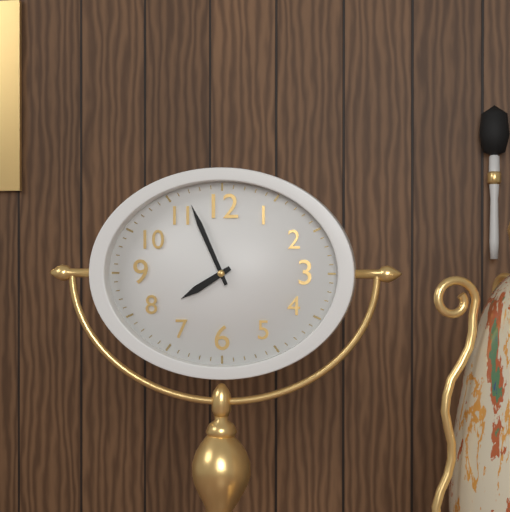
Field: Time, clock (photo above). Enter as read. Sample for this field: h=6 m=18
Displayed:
h=7 m=56
